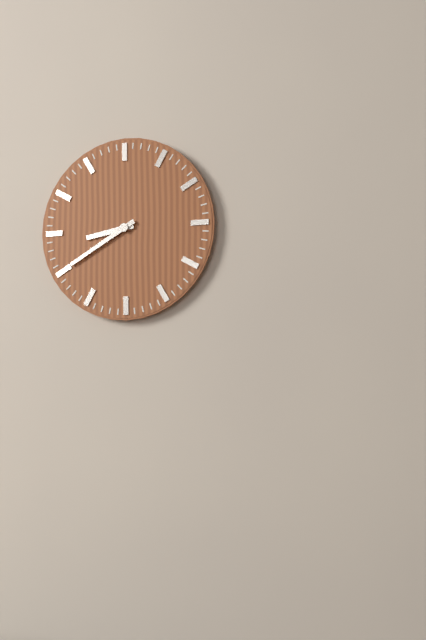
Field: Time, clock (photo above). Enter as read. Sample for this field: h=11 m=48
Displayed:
h=8 m=40
